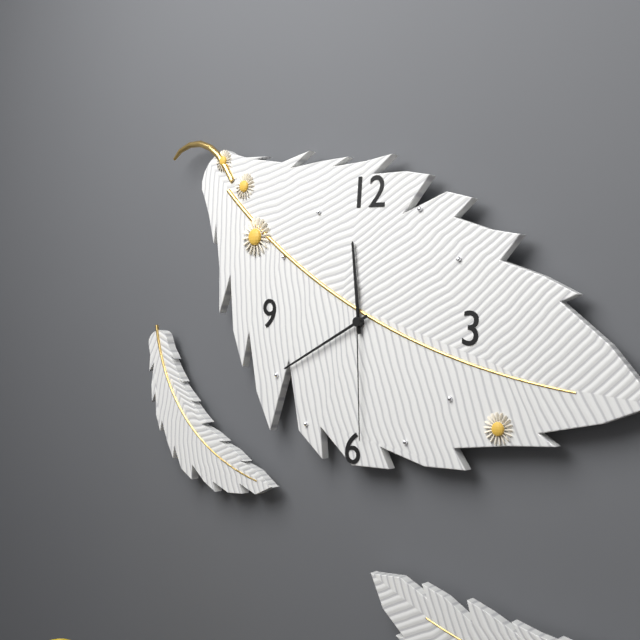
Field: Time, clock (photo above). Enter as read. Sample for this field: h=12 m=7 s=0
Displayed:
h=11 m=40 s=29
